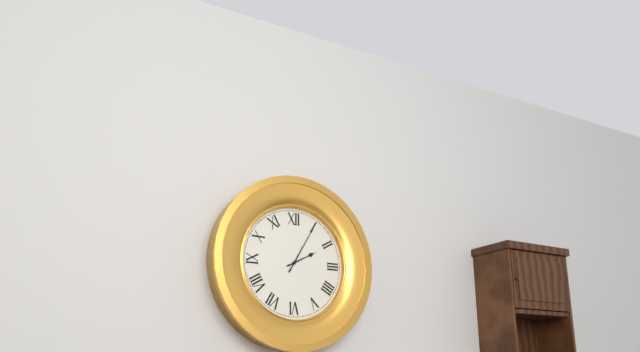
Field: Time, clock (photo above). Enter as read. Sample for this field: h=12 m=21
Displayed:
h=2 m=5
